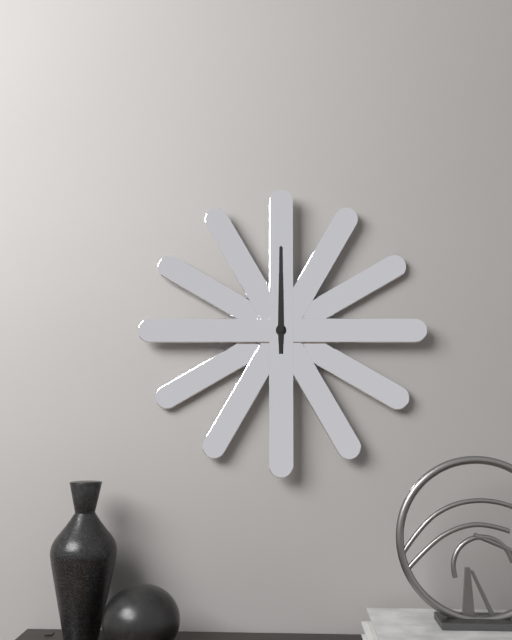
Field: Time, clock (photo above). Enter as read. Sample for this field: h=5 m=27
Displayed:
h=12 m=0
